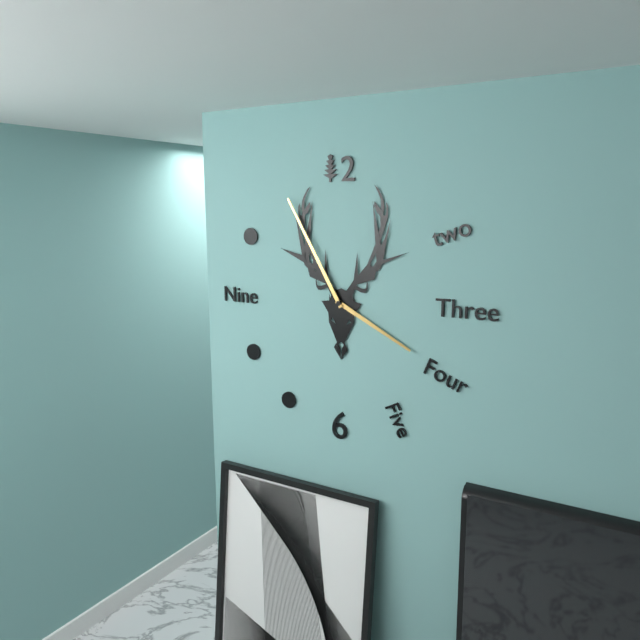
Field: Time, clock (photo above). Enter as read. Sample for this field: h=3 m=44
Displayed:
h=3 m=55
